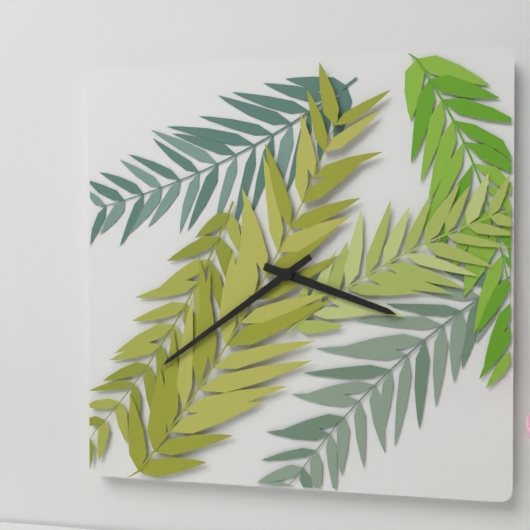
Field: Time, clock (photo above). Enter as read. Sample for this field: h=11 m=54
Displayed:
h=3 m=39
